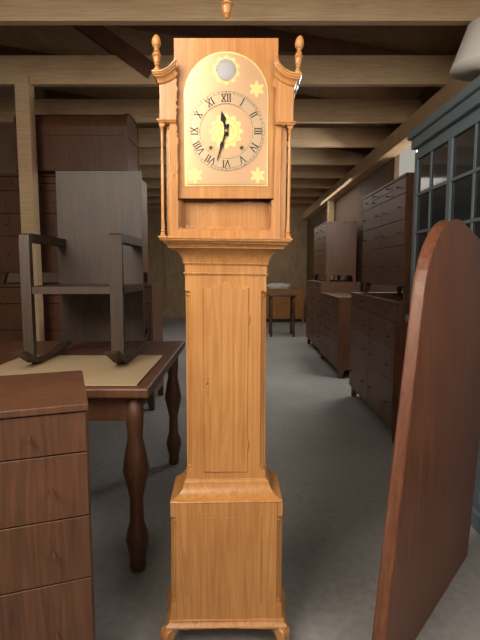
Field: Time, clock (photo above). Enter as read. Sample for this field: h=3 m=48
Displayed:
h=11 m=33
